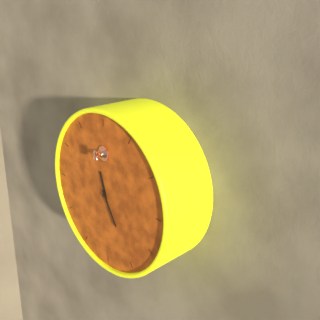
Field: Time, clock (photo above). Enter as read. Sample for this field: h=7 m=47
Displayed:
h=11 m=25
